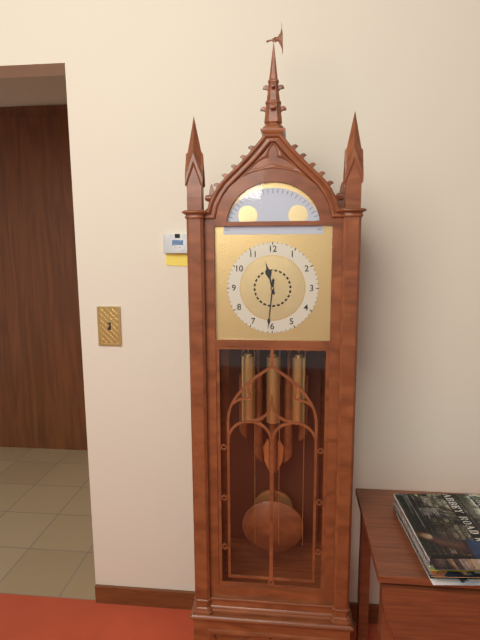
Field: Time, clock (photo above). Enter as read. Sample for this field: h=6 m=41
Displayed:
h=11 m=31
